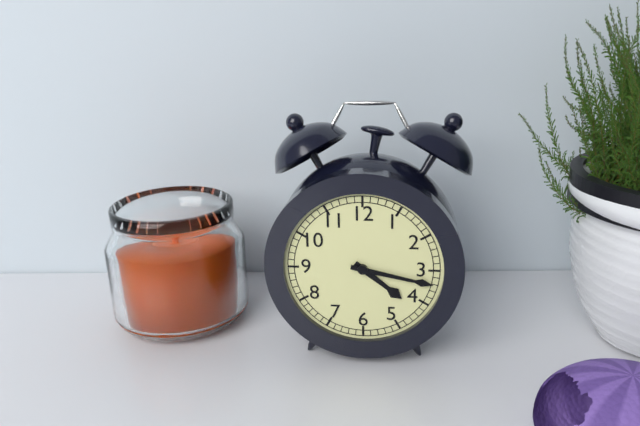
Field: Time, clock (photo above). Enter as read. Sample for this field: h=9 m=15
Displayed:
h=4 m=17
